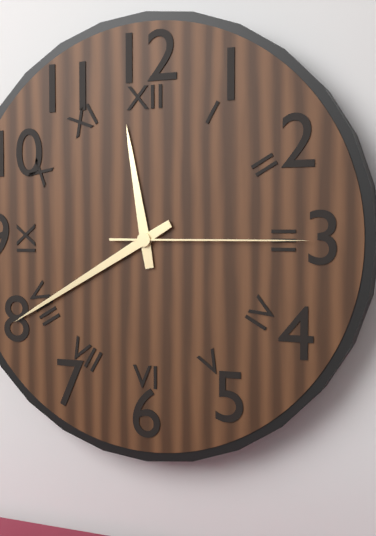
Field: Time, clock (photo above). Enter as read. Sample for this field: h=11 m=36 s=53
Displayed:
h=11 m=40 s=15
